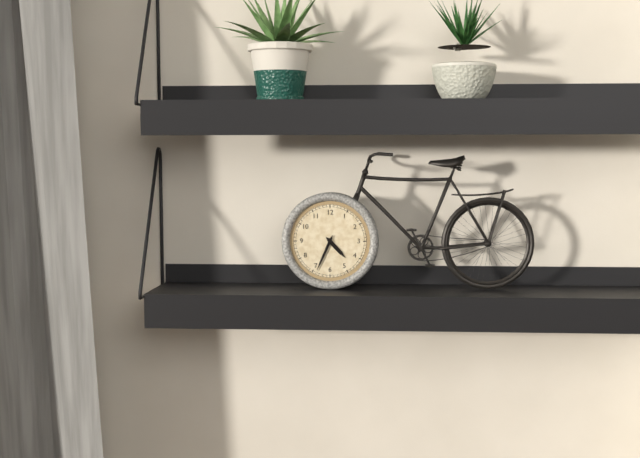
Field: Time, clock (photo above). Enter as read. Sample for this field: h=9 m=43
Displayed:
h=4 m=34
